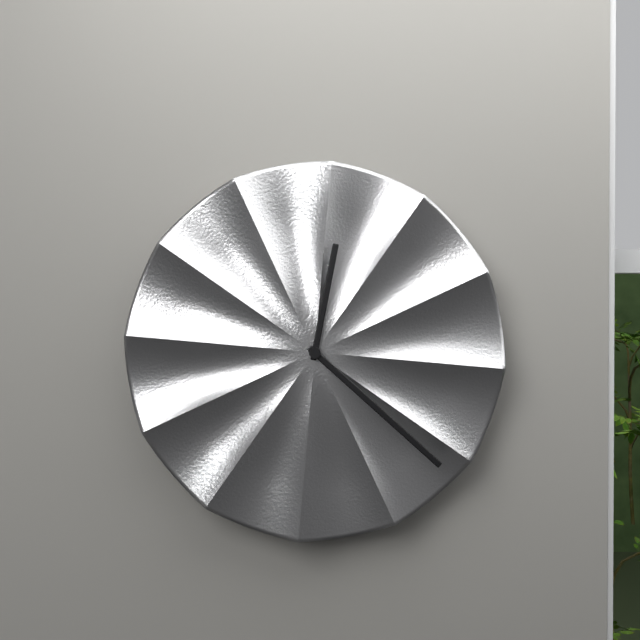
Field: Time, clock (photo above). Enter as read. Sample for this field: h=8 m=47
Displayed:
h=12 m=22
